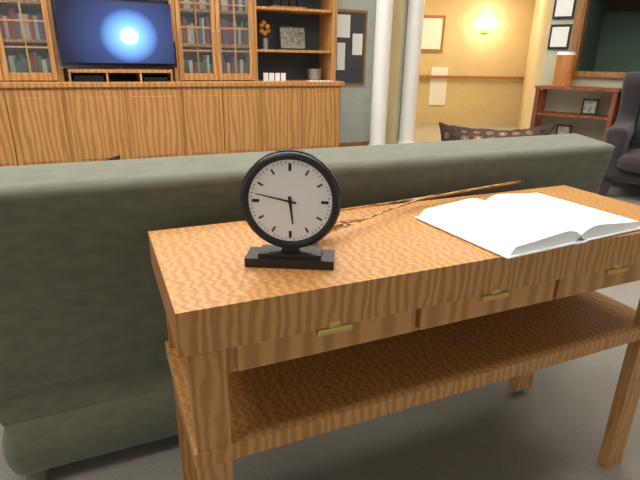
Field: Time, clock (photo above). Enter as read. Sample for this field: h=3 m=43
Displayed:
h=5 m=47
